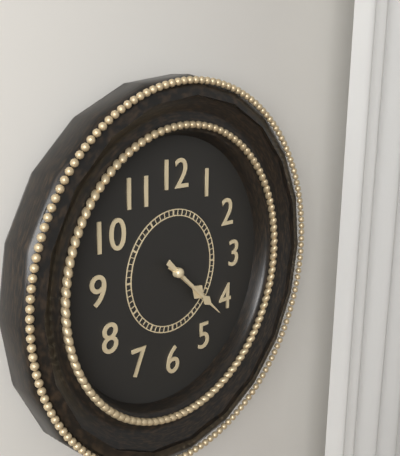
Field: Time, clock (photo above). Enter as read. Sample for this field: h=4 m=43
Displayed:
h=4 m=22
